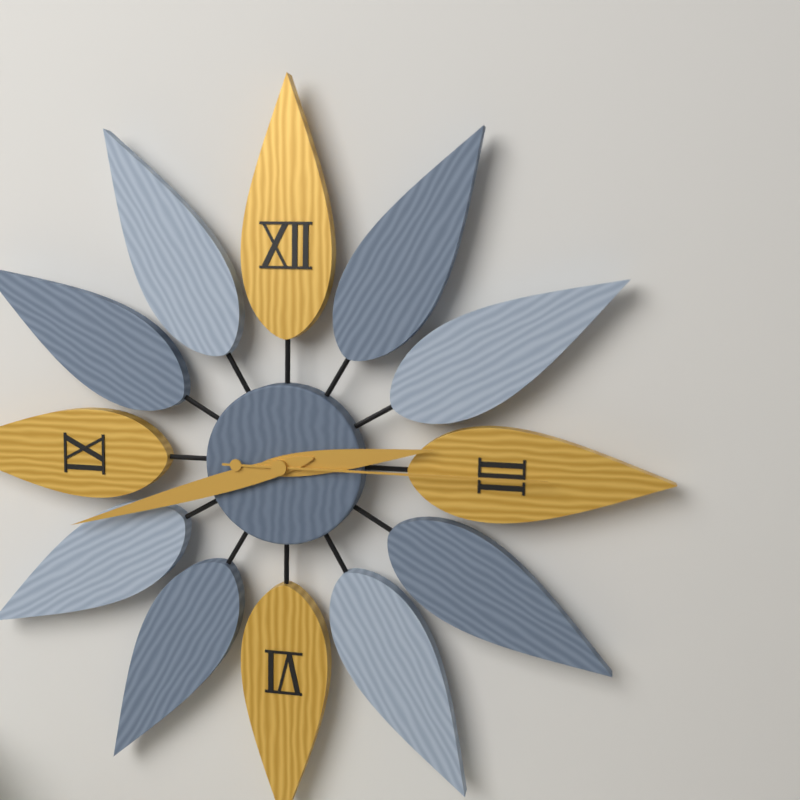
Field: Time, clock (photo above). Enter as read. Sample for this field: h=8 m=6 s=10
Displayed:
h=2 m=42 s=15
